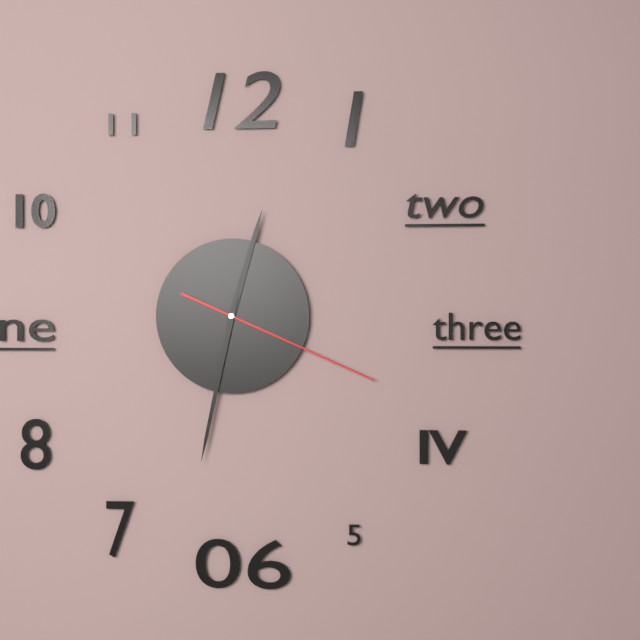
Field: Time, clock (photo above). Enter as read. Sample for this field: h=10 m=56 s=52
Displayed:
h=12 m=32 s=19
